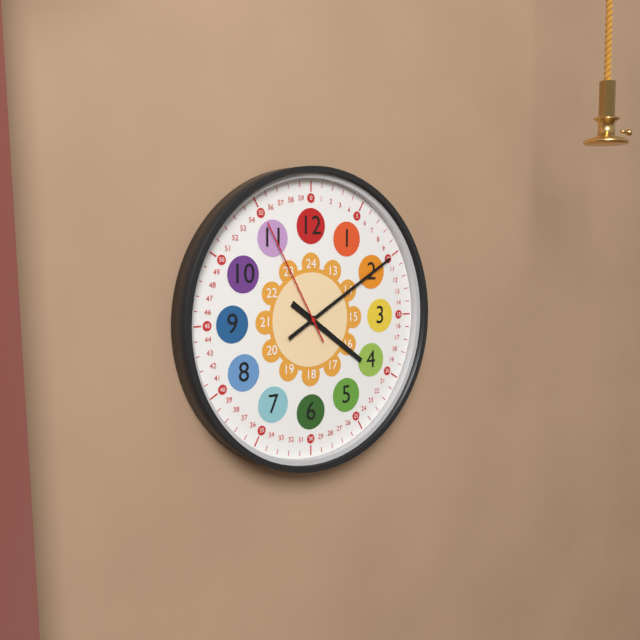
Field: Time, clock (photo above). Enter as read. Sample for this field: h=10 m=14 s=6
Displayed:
h=4 m=10 s=55
